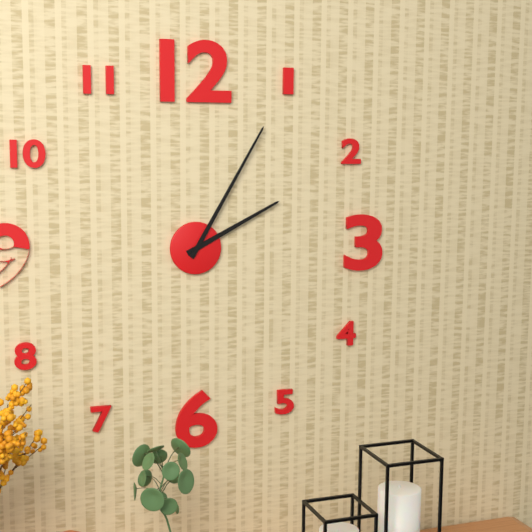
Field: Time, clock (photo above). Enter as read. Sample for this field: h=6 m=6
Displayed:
h=2 m=5
